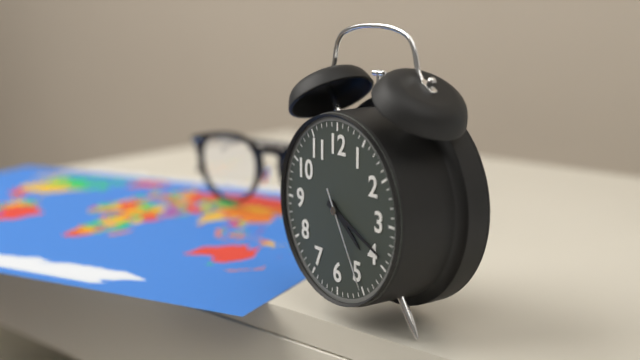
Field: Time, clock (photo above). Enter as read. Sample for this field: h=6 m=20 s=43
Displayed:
h=4 m=19 s=25
